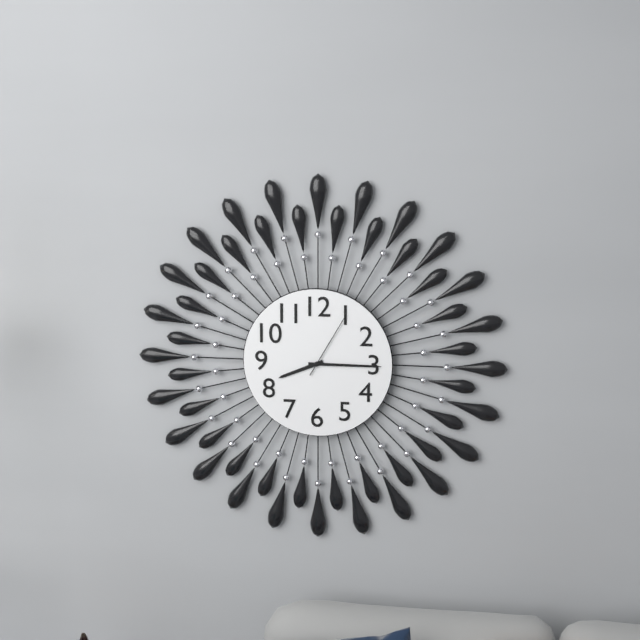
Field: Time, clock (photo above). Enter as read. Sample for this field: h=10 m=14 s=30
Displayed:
h=8 m=15 s=5
